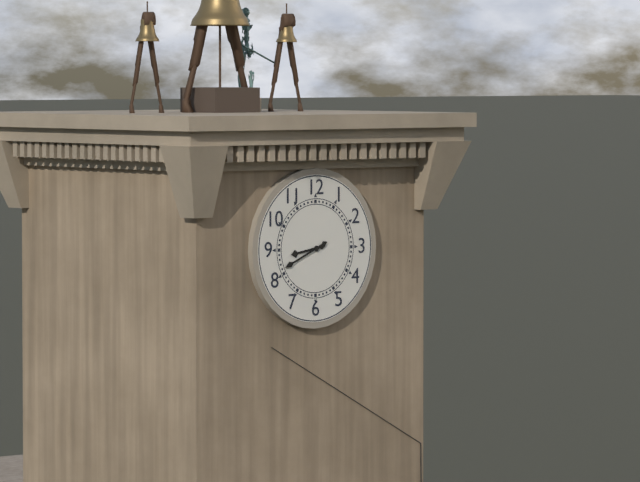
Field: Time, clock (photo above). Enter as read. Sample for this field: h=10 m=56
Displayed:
h=8 m=41
